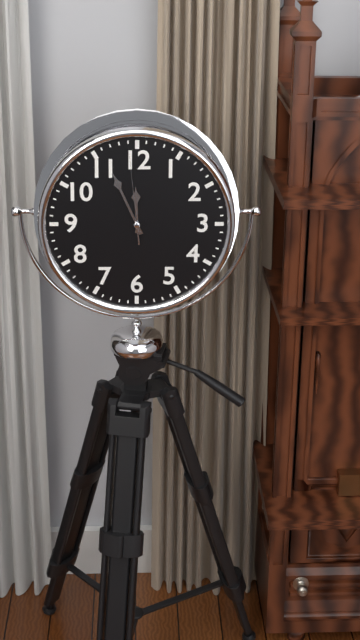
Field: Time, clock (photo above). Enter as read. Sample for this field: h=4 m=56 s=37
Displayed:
h=11 m=56 s=59
